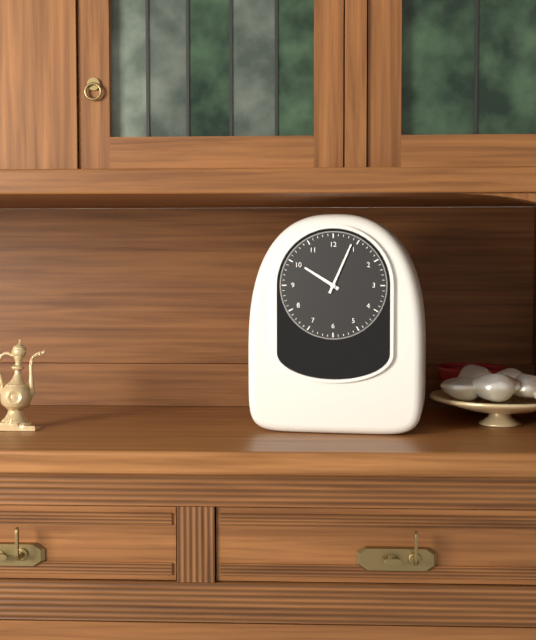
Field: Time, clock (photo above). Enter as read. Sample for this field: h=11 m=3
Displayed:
h=10 m=4
